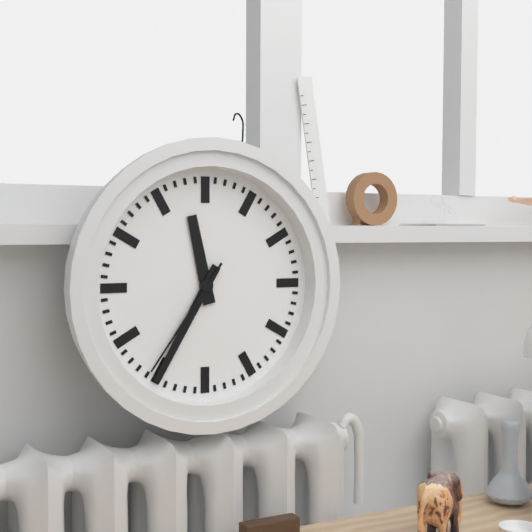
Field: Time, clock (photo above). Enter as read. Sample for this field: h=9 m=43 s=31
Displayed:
h=11 m=35 s=36
